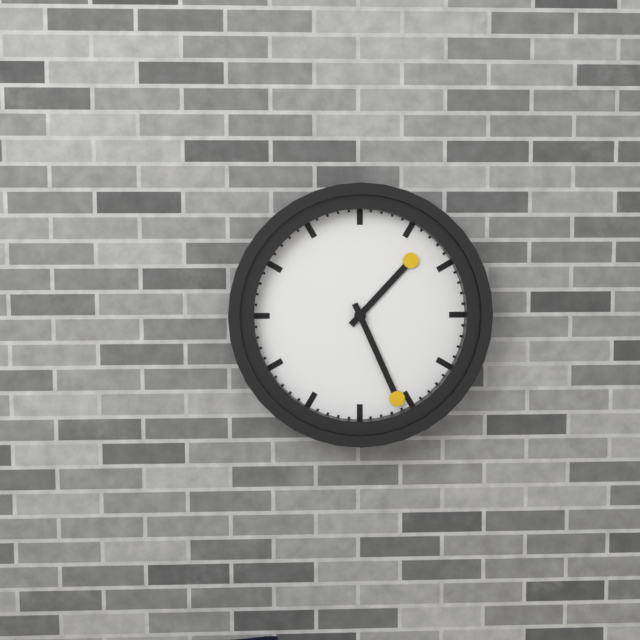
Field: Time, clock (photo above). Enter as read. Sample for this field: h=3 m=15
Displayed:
h=1 m=26
